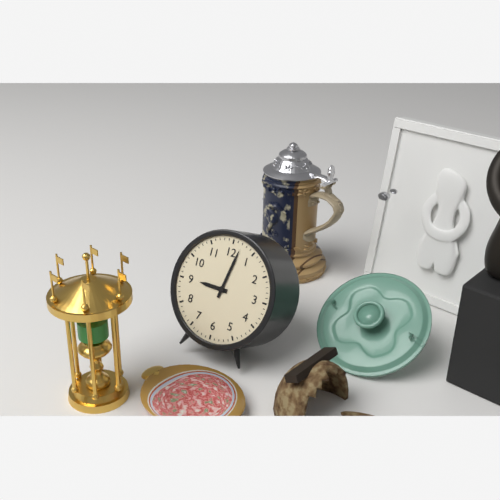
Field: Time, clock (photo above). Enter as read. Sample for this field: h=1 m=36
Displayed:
h=9 m=2
